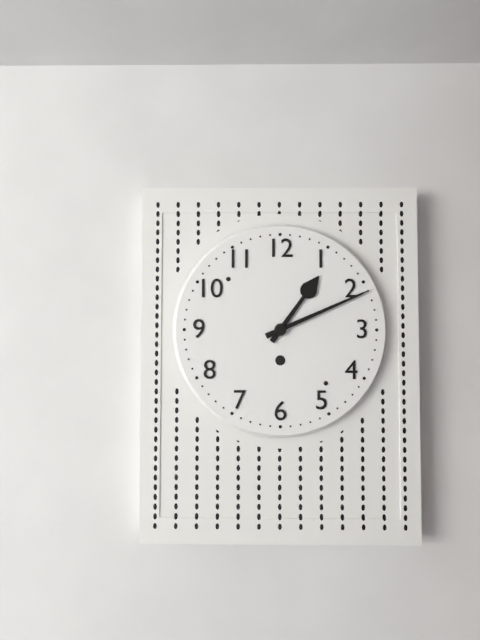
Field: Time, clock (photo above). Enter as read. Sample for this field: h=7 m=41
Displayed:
h=1 m=11
